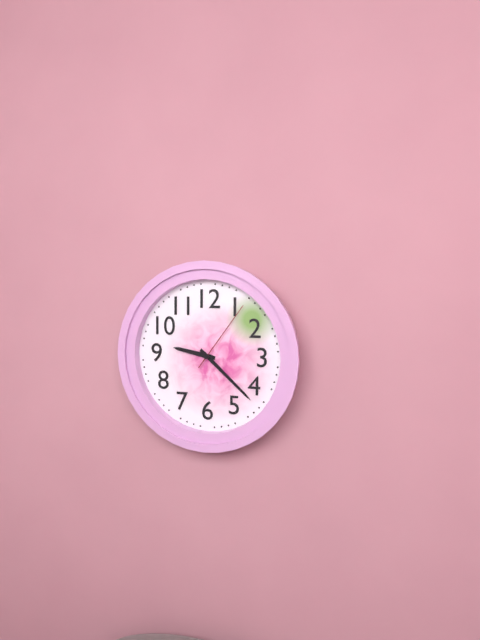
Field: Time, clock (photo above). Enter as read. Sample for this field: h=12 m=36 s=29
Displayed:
h=9 m=22 s=6
